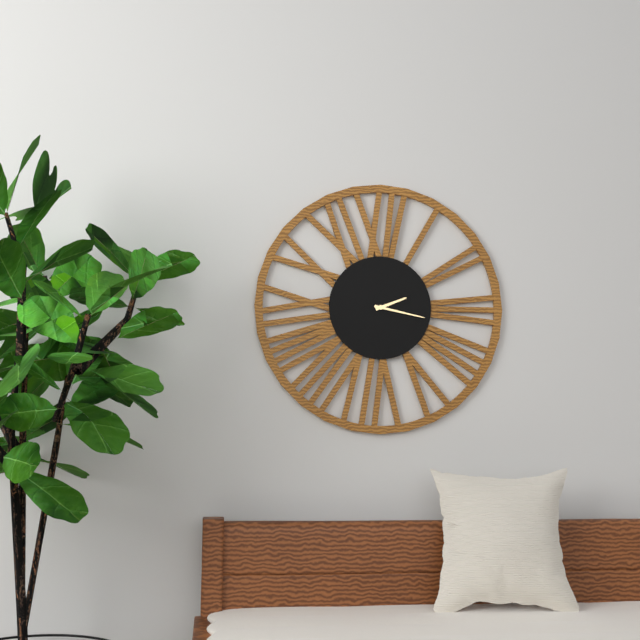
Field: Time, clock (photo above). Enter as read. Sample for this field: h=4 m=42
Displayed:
h=2 m=17
